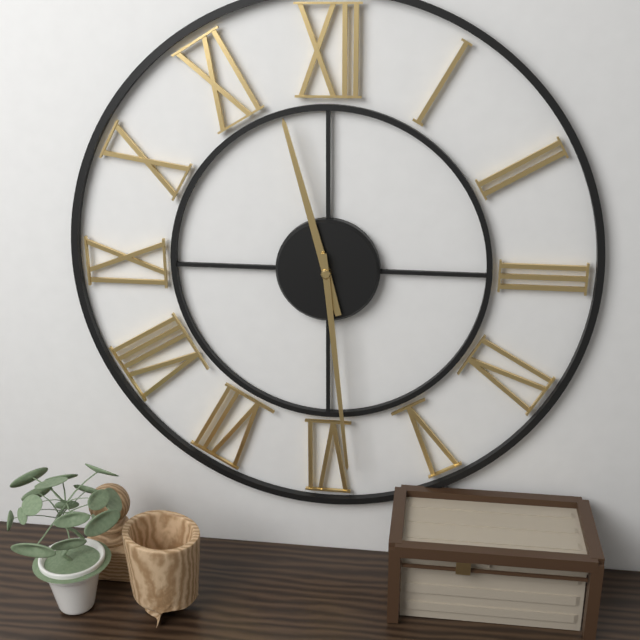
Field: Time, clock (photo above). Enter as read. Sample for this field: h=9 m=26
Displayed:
h=11 m=29
